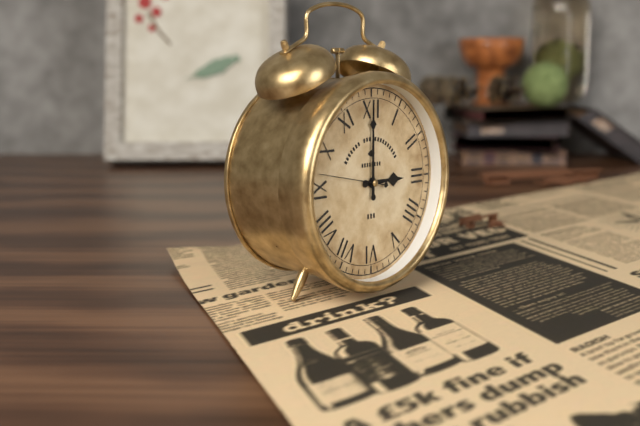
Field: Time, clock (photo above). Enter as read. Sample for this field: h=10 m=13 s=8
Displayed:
h=3 m=0 s=47
